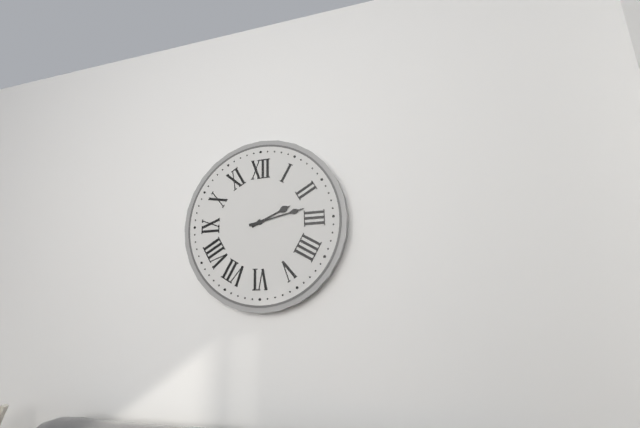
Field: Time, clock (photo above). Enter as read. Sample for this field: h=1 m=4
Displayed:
h=2 m=13
